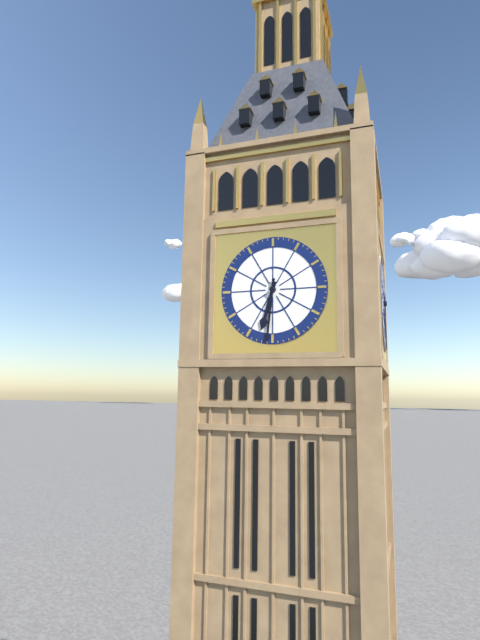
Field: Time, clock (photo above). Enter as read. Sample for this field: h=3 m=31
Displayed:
h=6 m=31
